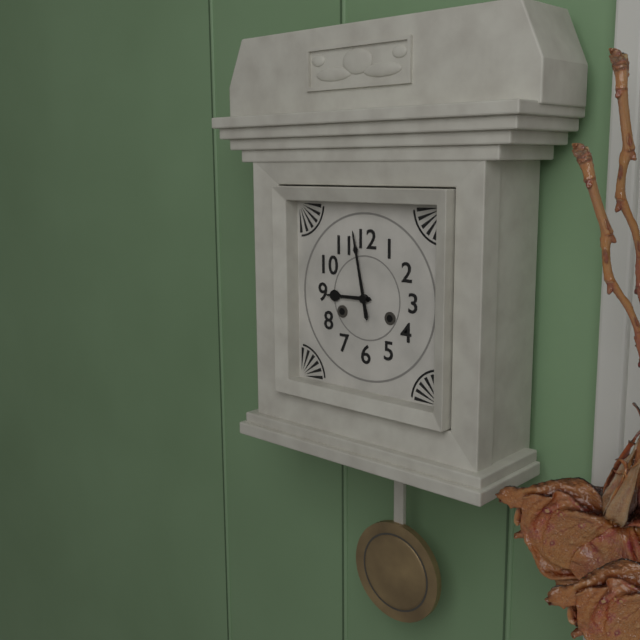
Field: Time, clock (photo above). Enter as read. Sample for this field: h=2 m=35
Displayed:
h=8 m=58
